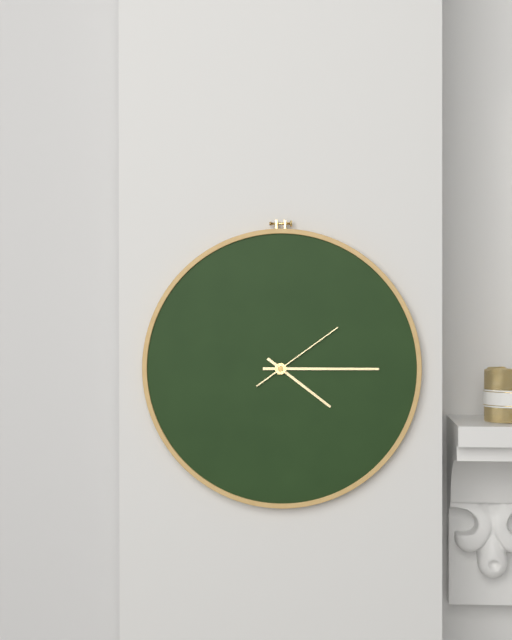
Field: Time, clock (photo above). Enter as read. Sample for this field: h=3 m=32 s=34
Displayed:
h=4 m=15 s=9
